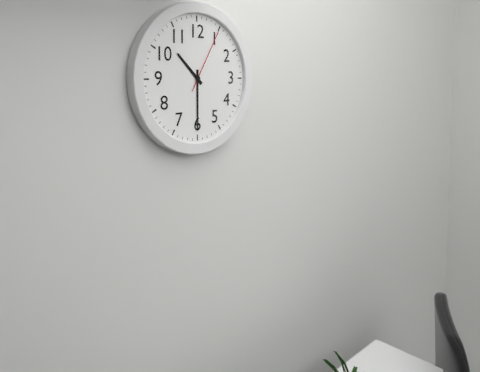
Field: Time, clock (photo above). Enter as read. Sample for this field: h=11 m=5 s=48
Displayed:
h=10 m=30 s=5
